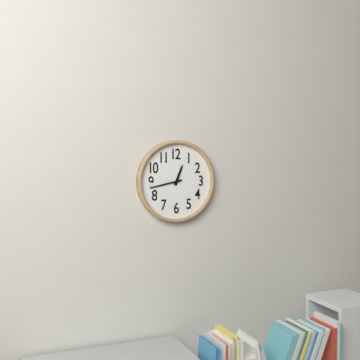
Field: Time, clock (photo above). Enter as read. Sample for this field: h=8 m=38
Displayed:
h=12 m=43
